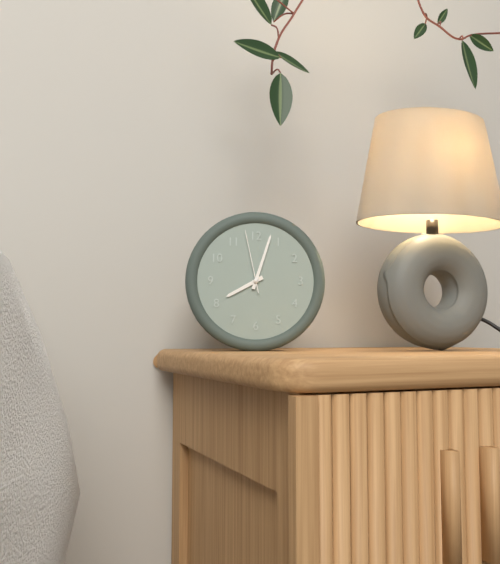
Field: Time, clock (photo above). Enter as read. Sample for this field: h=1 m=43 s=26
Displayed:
h=8 m=3 s=58
